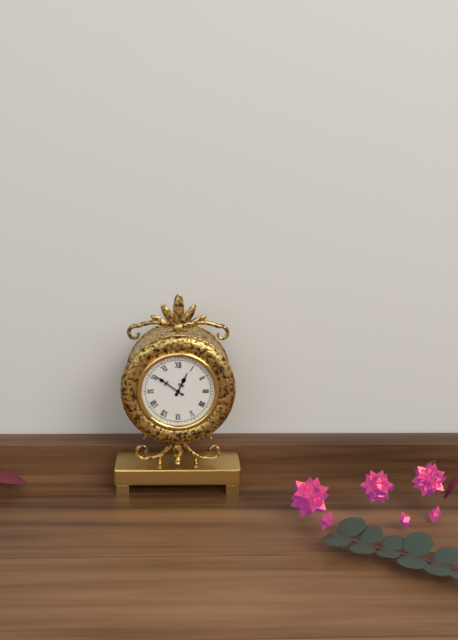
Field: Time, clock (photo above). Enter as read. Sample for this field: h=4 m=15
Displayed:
h=12 m=51
